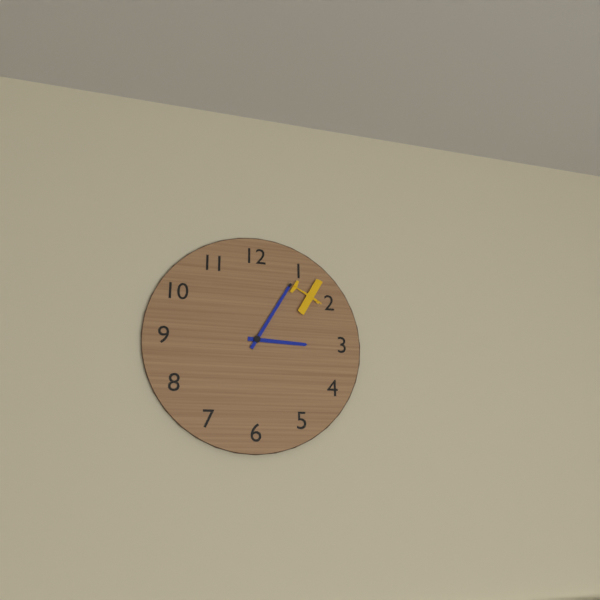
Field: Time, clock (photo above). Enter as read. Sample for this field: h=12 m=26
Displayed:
h=3 m=5
